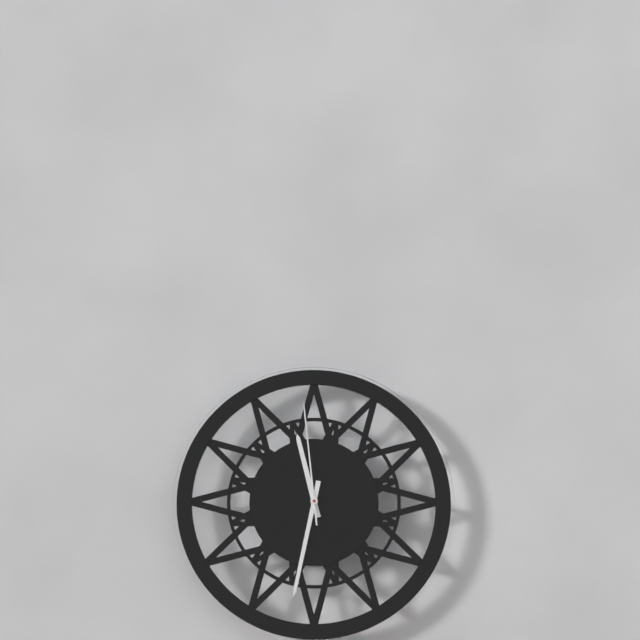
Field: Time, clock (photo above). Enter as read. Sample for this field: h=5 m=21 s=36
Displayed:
h=11 m=32 s=59
